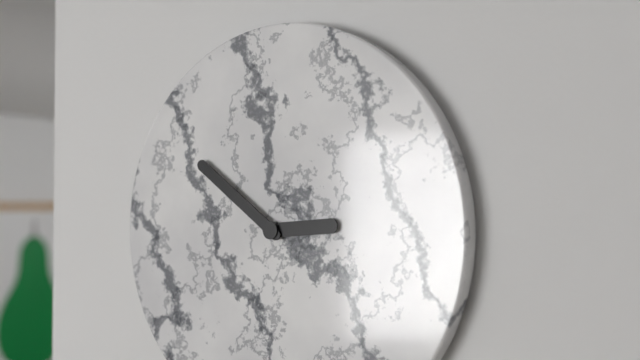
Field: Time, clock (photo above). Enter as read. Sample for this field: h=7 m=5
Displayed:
h=2 m=51
